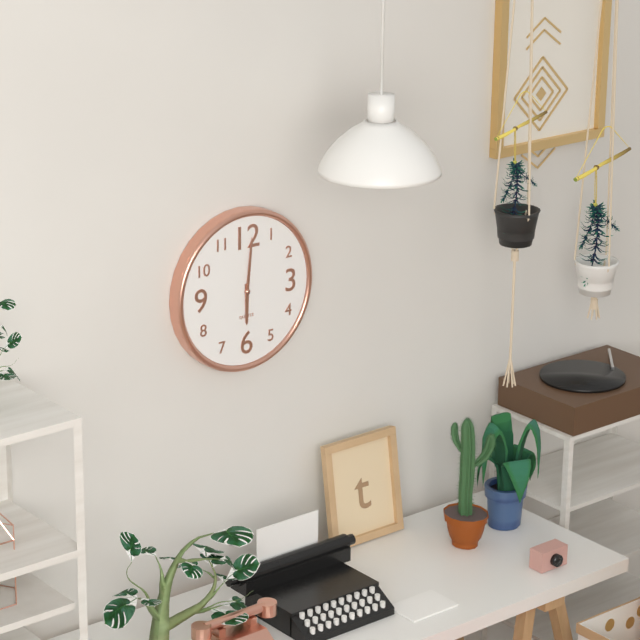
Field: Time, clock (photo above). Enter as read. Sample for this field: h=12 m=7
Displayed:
h=6 m=1
